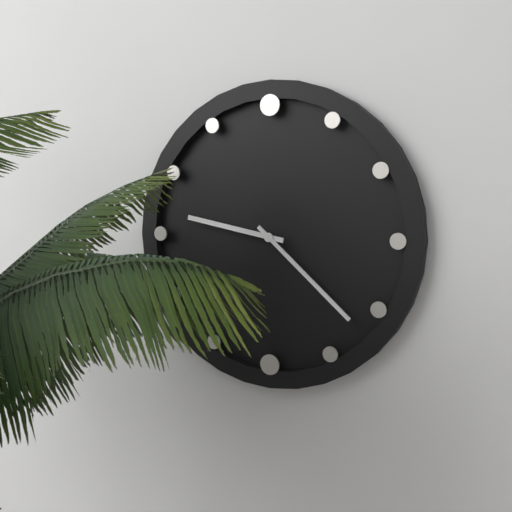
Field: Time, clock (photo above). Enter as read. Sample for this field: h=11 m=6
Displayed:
h=9 m=22
